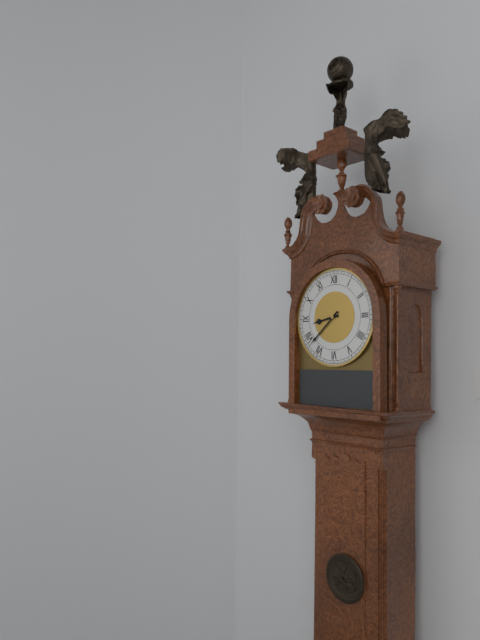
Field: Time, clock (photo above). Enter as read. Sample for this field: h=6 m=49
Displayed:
h=8 m=38
